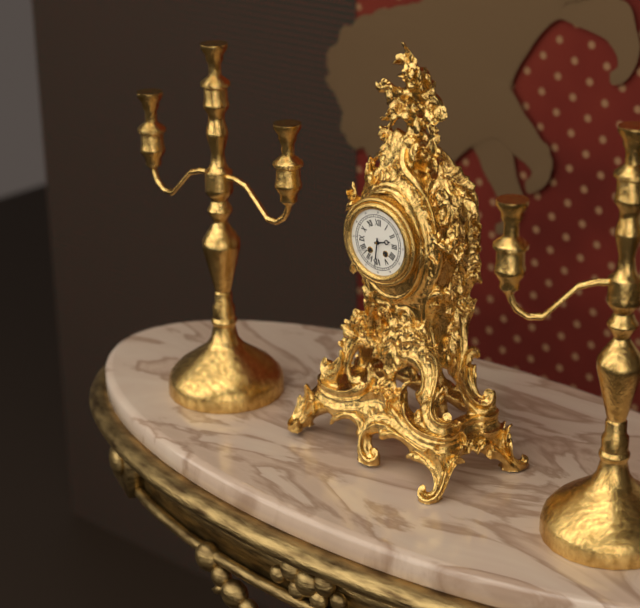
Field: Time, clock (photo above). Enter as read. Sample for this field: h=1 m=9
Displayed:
h=2 m=31
